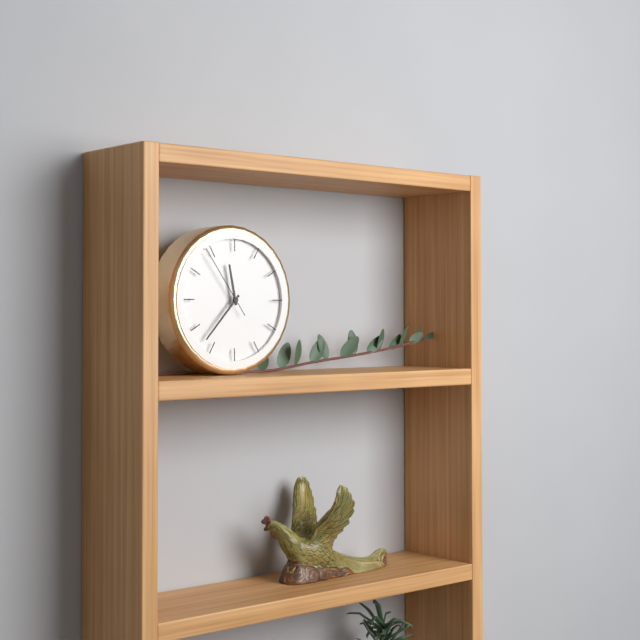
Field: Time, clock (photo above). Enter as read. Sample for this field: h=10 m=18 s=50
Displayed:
h=11 m=37 s=54
